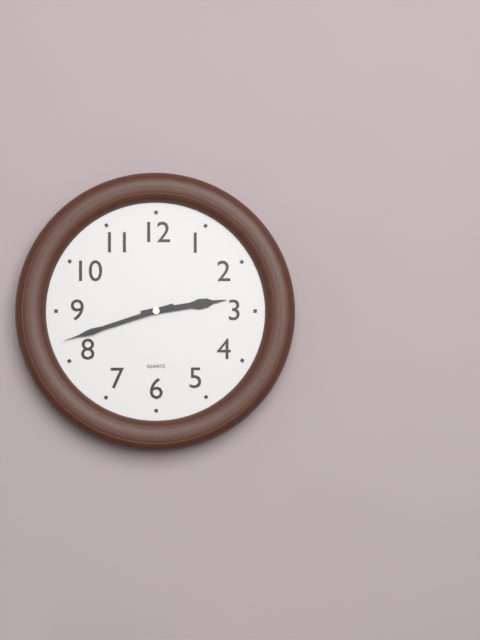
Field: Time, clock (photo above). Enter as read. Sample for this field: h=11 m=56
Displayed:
h=2 m=42
